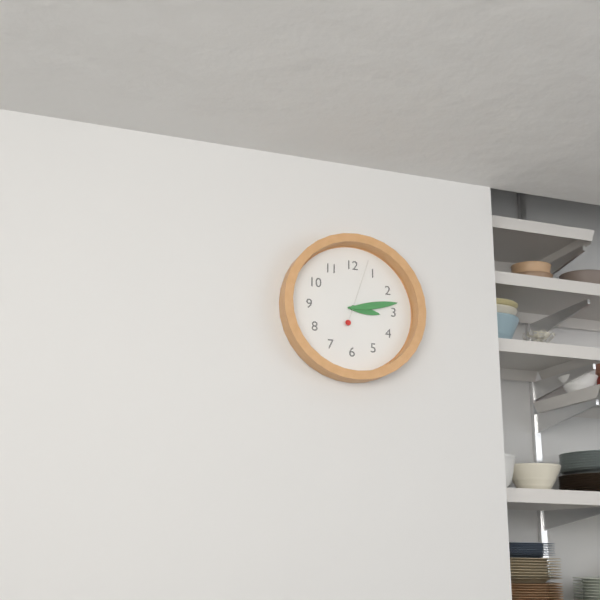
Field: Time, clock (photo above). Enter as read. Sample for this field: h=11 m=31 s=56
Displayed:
h=3 m=13 s=3
